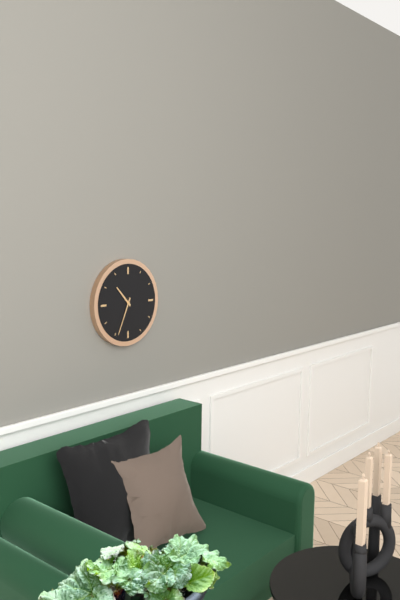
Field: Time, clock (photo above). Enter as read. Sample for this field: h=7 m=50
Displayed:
h=10 m=34
